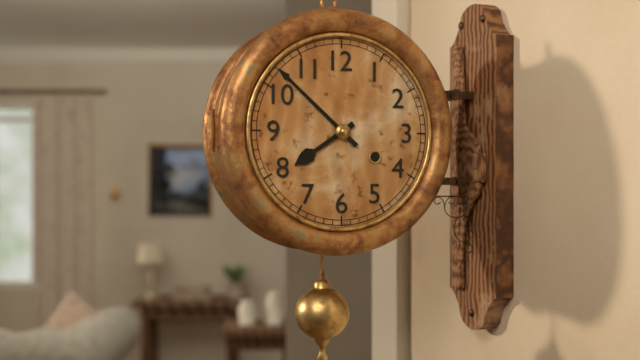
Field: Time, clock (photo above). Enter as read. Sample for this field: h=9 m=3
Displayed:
h=7 m=52
